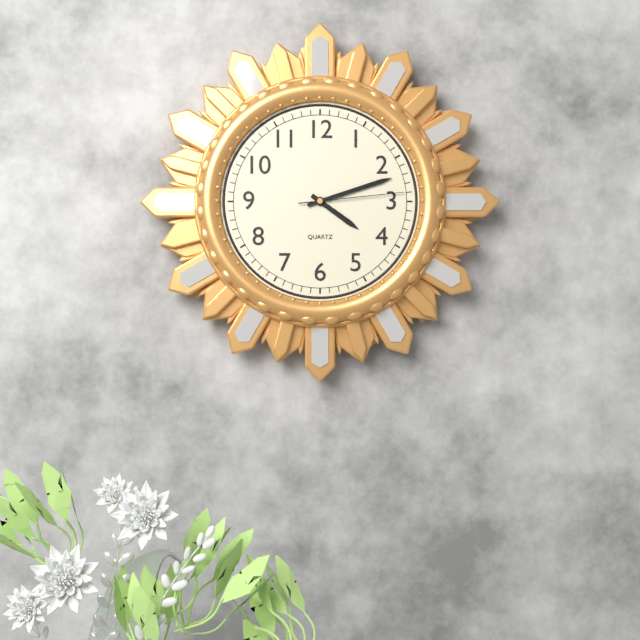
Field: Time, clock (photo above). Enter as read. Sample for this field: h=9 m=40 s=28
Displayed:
h=4 m=12 s=14
